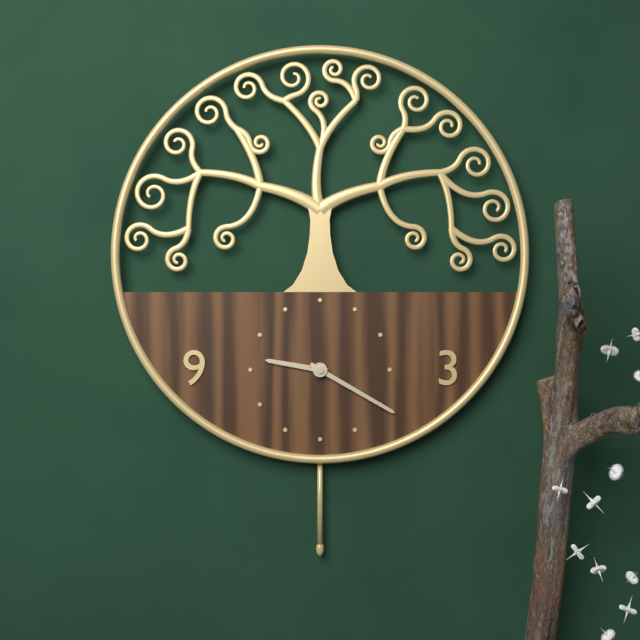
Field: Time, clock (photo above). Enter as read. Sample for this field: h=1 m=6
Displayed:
h=9 m=20
